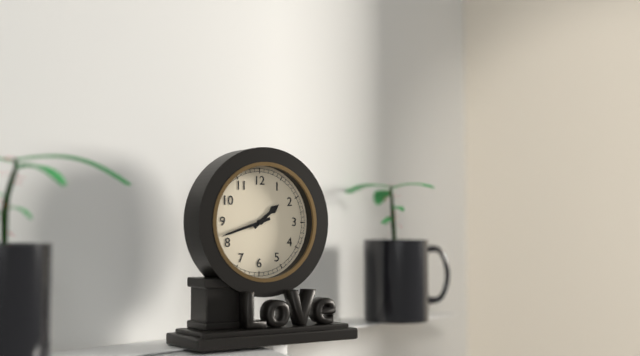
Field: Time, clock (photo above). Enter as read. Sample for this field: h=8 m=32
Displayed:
h=1 m=42
